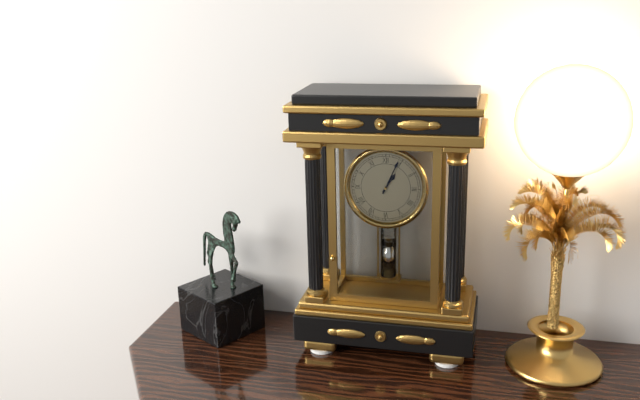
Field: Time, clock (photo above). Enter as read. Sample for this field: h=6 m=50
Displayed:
h=1 m=4
